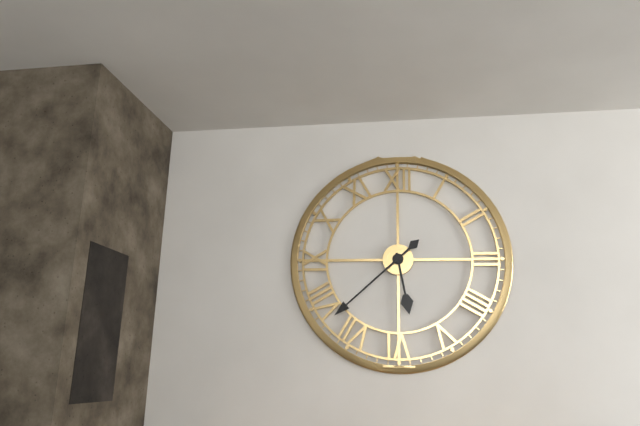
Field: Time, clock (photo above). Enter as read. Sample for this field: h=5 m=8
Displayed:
h=5 m=38
